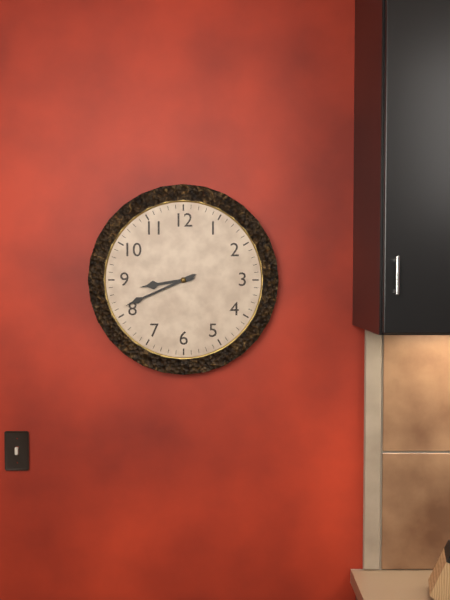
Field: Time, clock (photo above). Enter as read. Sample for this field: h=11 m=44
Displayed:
h=8 m=41
